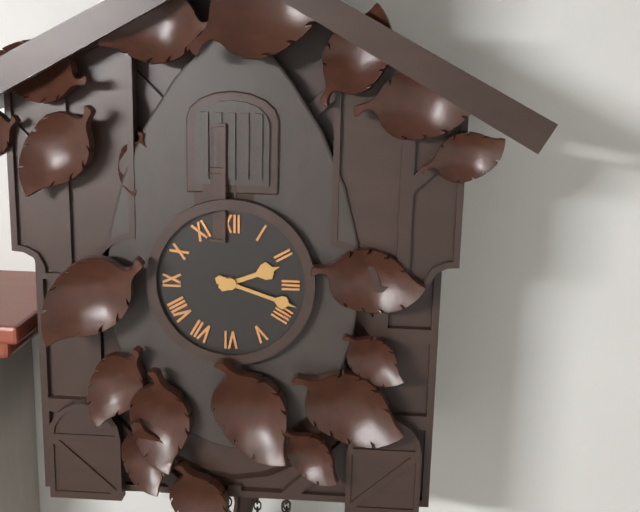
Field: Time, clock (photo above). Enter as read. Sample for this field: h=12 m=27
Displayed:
h=2 m=18
